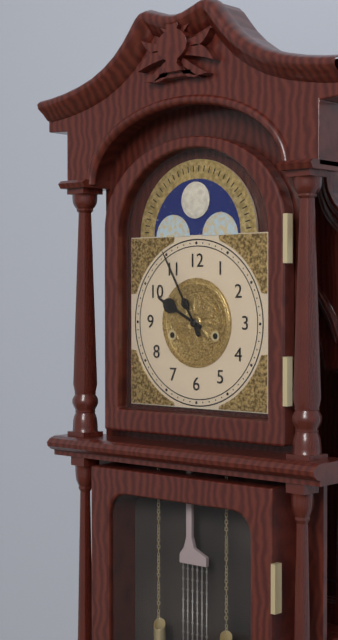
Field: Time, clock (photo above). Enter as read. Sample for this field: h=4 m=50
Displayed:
h=9 m=55
